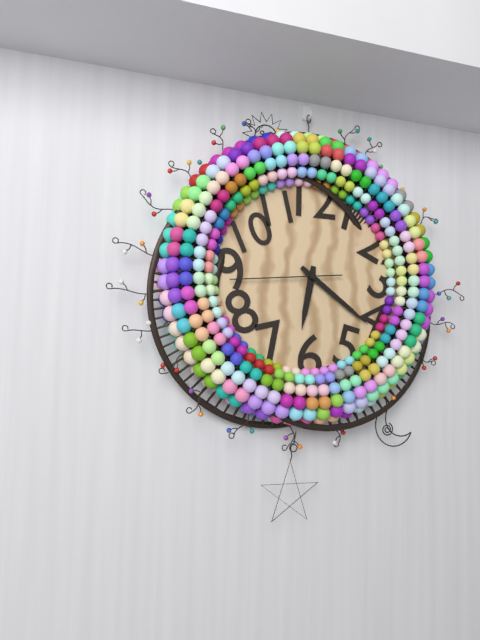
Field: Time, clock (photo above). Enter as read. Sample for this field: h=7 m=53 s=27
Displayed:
h=6 m=21 s=44
